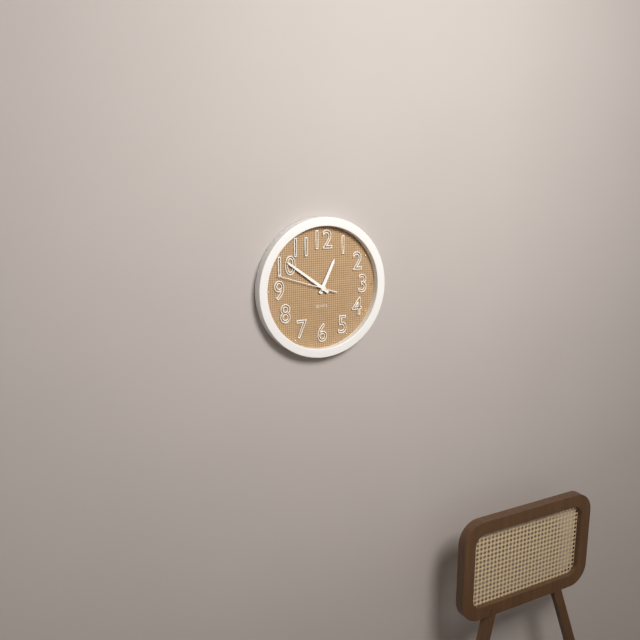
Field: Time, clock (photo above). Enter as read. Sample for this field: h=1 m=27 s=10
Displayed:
h=12 m=51 s=48
